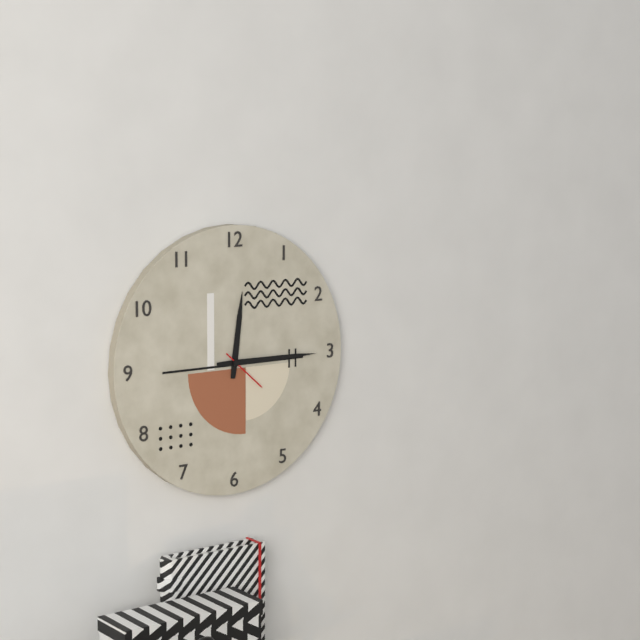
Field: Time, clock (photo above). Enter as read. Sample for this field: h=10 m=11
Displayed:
h=12 m=15
